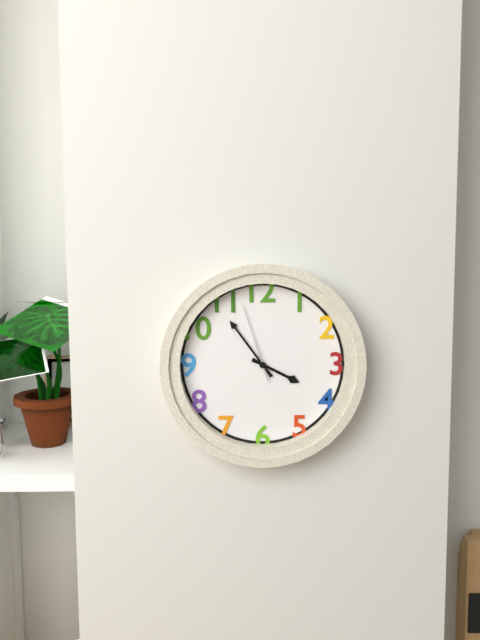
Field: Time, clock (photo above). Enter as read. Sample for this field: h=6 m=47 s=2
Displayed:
h=3 m=54 s=57
